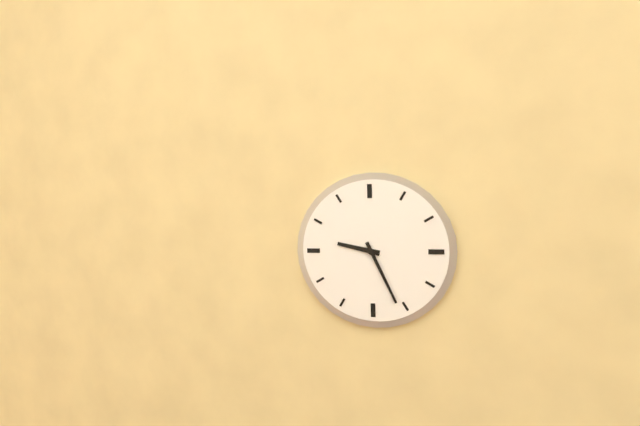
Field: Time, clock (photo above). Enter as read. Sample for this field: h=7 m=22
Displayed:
h=9 m=26
